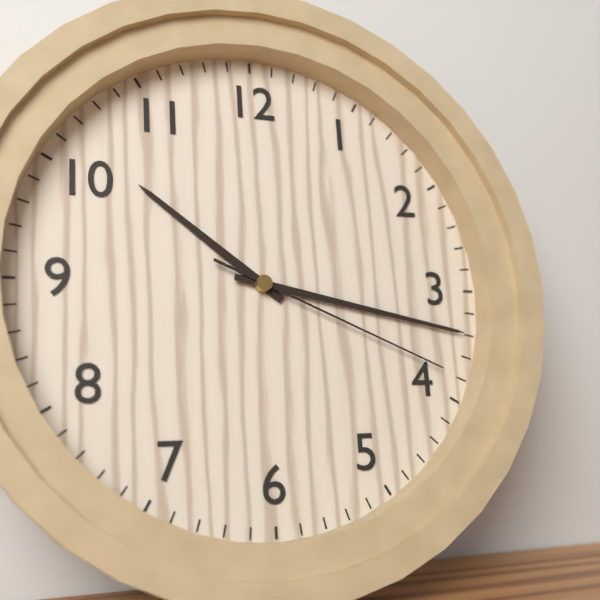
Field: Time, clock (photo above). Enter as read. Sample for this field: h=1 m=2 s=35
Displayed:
h=10 m=17 s=19
